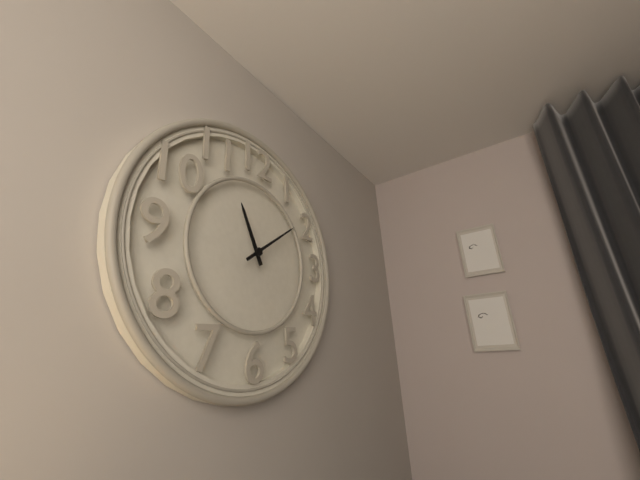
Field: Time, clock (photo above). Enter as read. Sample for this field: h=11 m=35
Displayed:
h=11 m=9
